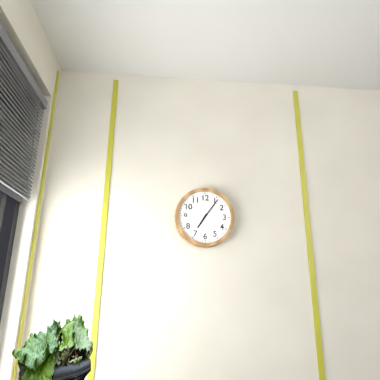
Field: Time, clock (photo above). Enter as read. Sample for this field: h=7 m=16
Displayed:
h=7 m=6
